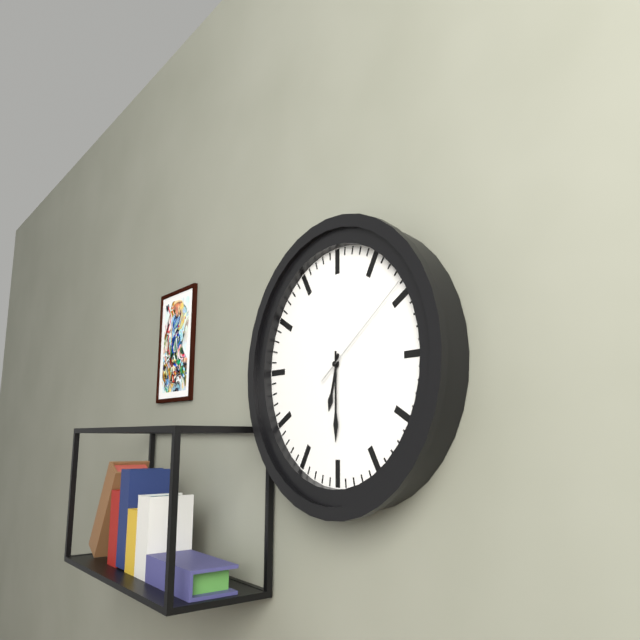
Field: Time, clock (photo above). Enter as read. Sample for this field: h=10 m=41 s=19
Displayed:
h=6 m=30 s=9
